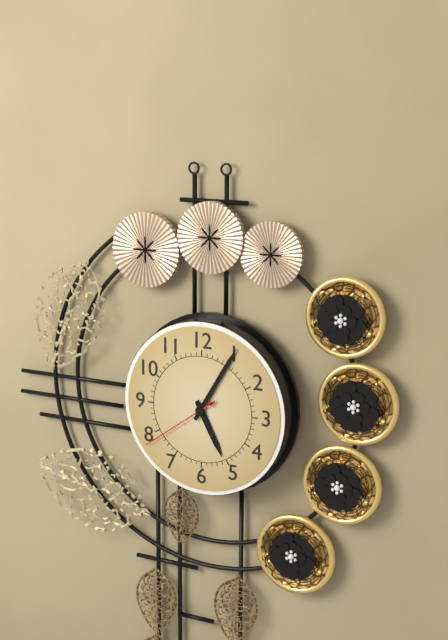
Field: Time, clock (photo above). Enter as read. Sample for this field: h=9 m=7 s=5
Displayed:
h=5 m=5 s=39
